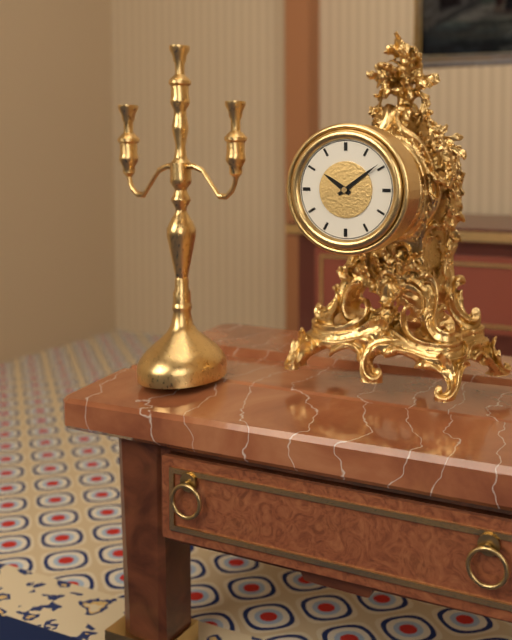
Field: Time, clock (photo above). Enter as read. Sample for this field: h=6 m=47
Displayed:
h=10 m=9
